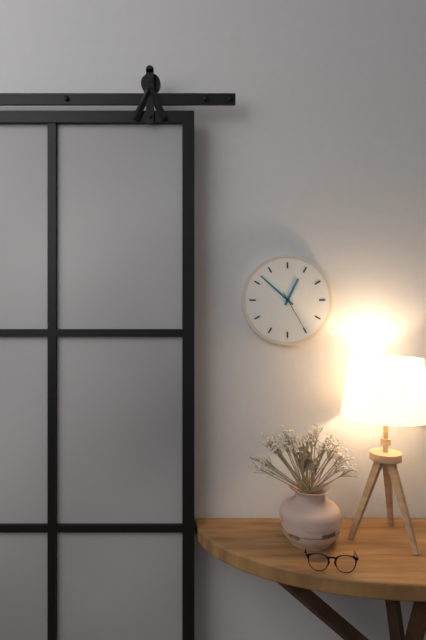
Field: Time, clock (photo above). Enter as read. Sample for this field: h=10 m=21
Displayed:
h=12 m=52
